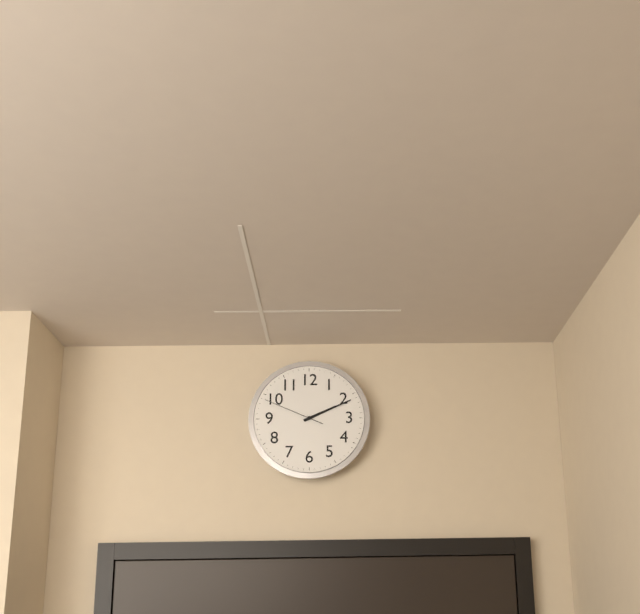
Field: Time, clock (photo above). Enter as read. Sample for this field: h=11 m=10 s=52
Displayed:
h=2 m=11 s=49
